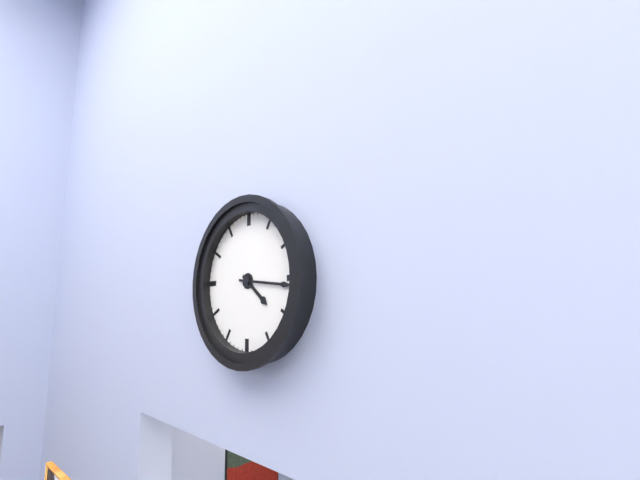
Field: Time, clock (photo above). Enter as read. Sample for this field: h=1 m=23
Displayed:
h=4 m=16
